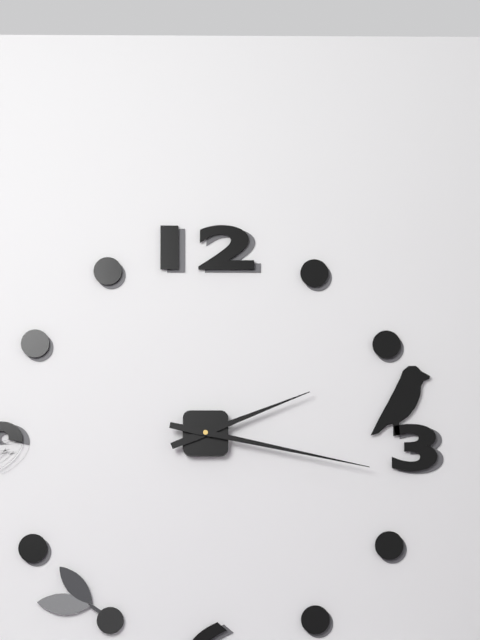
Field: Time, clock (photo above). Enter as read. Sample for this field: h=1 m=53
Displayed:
h=2 m=17
